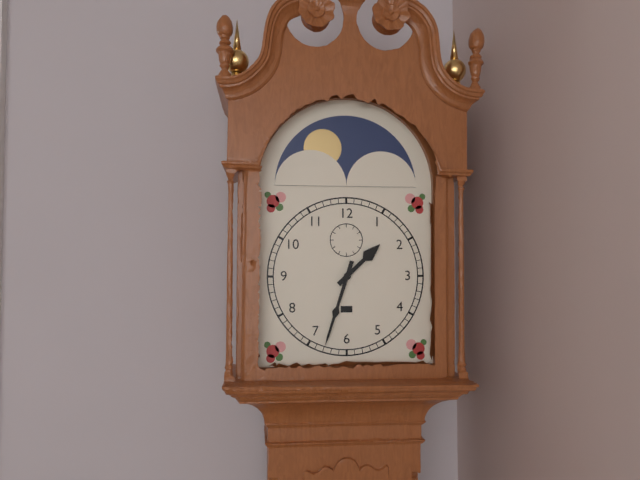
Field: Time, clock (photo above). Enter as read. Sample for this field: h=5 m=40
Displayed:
h=1 m=33
